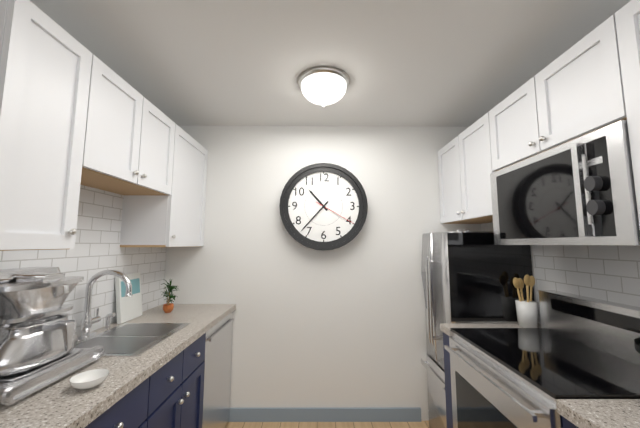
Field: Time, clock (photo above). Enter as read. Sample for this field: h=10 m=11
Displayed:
h=10 m=37
